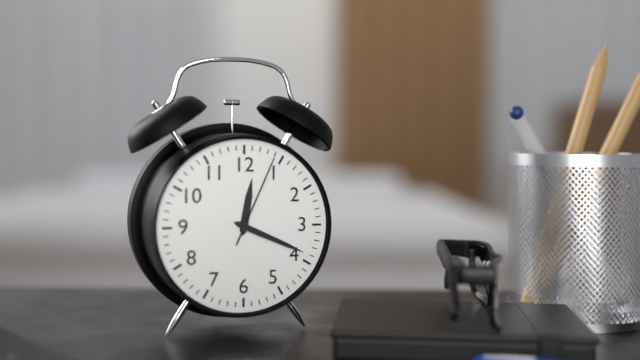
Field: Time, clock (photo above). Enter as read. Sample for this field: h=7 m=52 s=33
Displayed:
h=12 m=19 s=4
